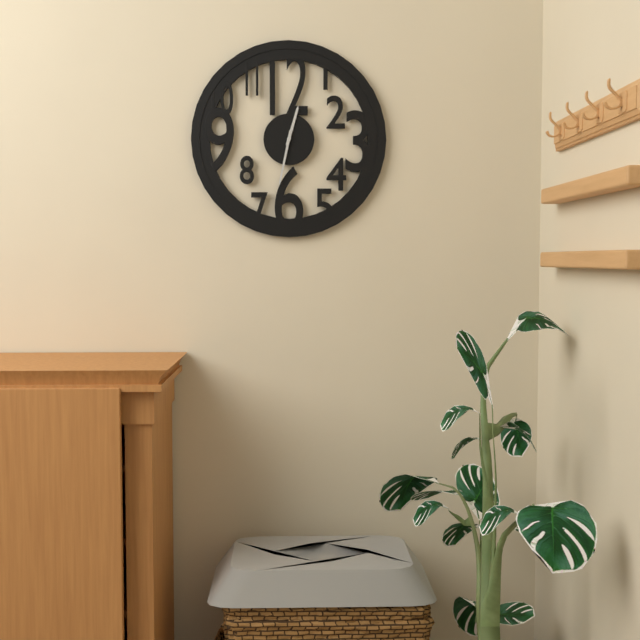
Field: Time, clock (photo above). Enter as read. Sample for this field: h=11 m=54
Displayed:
h=12 m=32
